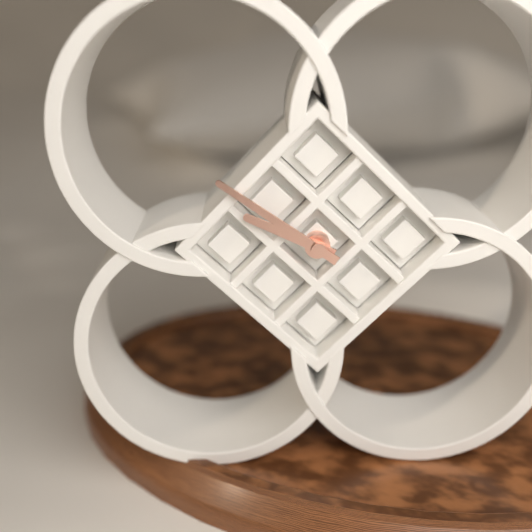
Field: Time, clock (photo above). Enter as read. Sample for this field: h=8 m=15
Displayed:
h=9 m=51
